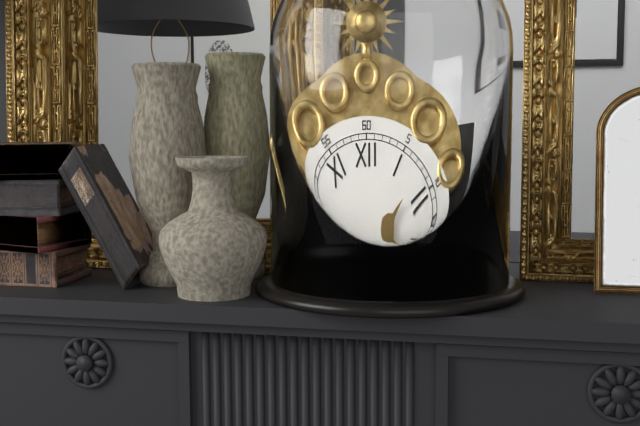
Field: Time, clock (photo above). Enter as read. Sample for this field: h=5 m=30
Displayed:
h=1 m=40
